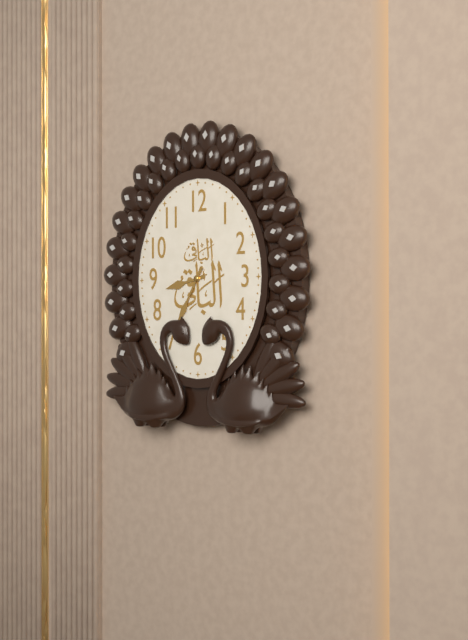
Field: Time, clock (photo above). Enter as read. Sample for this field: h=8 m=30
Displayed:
h=8 m=35
